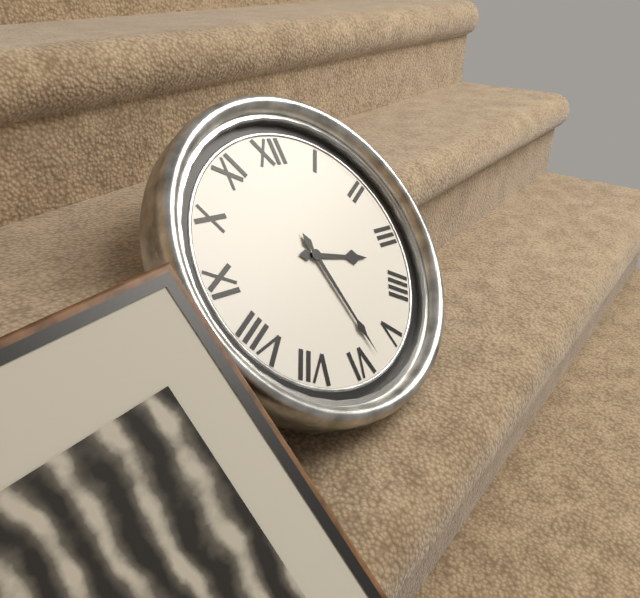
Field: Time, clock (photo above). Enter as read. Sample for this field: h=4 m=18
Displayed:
h=3 m=28
